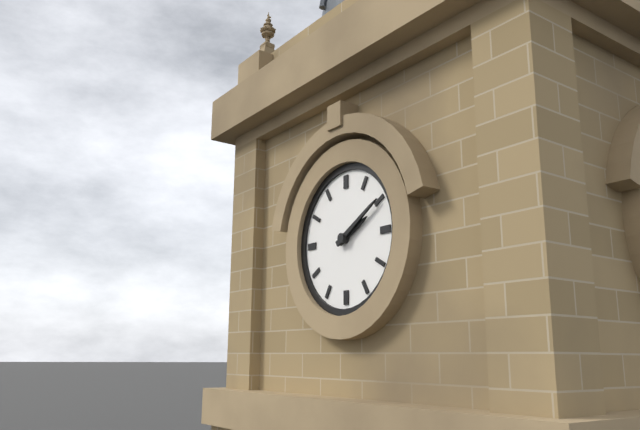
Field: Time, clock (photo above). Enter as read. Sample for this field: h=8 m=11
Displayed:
h=2 m=10
